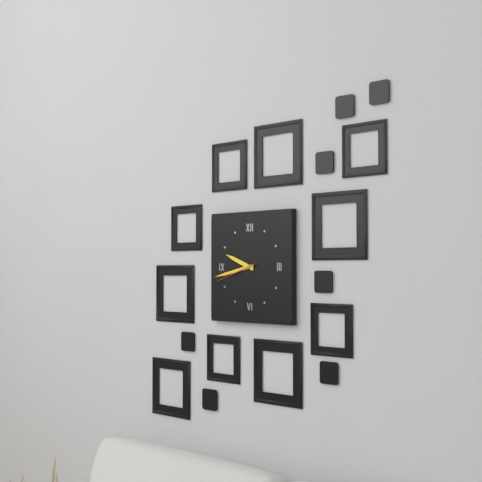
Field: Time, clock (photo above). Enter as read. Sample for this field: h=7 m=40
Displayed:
h=9 m=43
